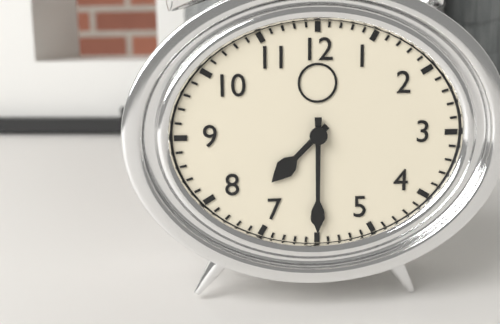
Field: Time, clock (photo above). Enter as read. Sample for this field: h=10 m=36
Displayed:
h=7 m=30
